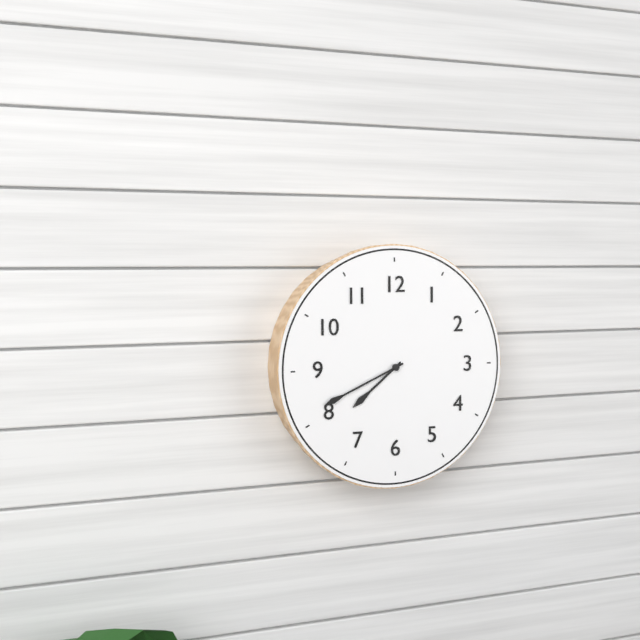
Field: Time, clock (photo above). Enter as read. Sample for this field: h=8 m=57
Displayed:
h=7 m=41
